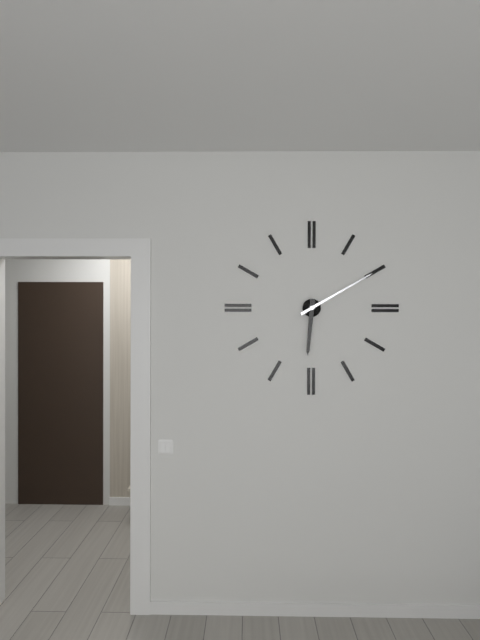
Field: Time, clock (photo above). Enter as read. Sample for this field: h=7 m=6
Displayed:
h=6 m=10
